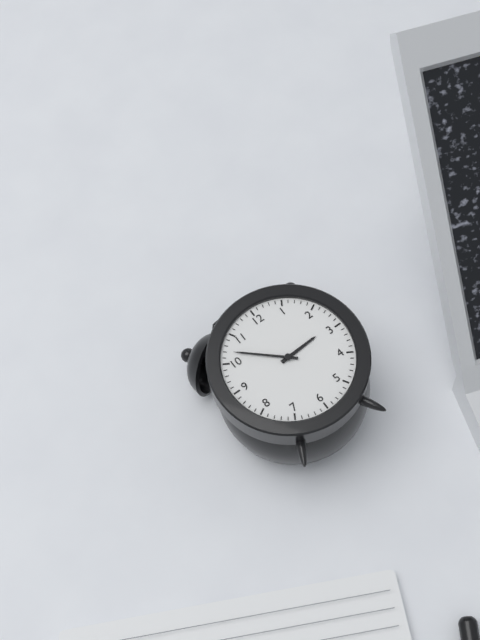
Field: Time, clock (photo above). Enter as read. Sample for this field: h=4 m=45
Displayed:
h=2 m=52
